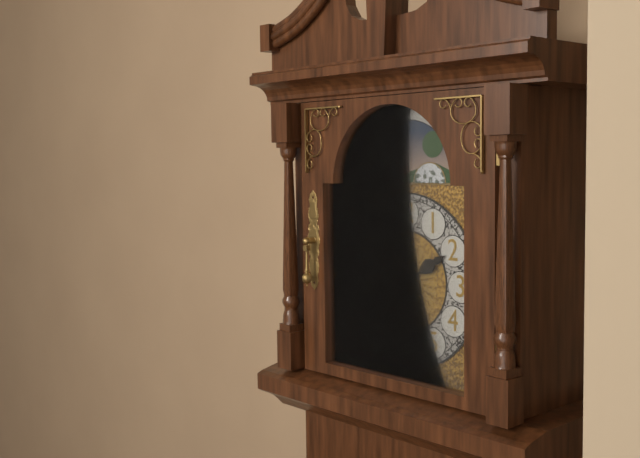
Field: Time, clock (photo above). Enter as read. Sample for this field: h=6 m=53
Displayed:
h=2 m=0
